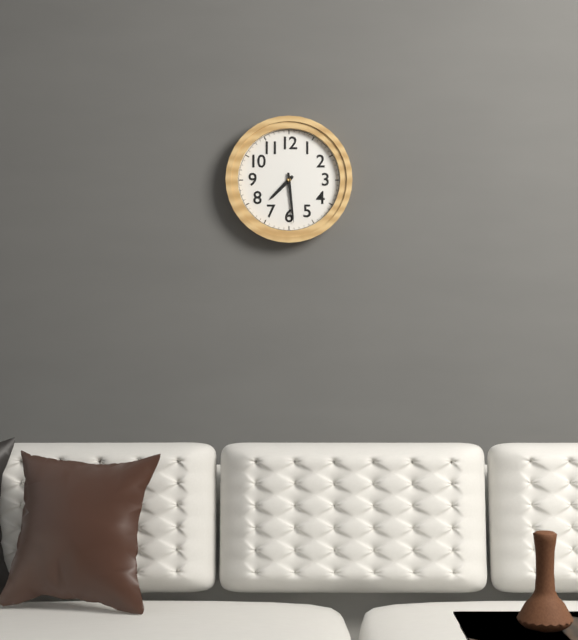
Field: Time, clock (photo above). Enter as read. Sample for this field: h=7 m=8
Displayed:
h=7 m=29
